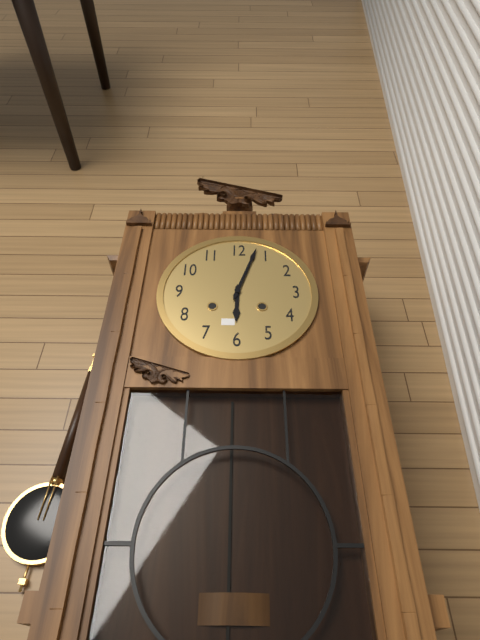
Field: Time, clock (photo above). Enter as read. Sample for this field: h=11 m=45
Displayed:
h=6 m=3
